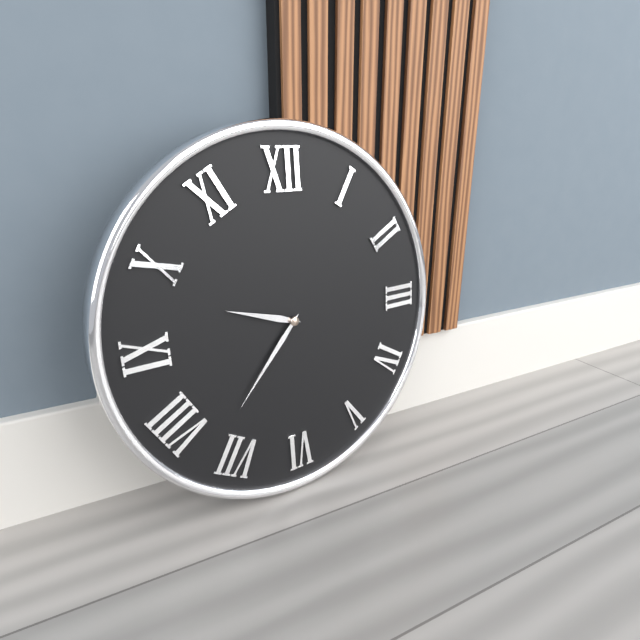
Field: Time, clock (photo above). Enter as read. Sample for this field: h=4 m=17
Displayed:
h=9 m=37
